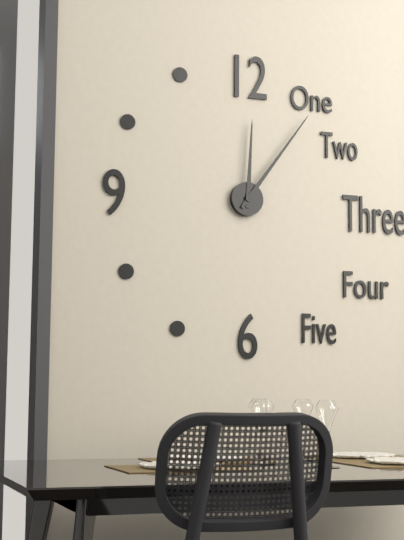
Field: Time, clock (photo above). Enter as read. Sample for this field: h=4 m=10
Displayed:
h=12 m=6
